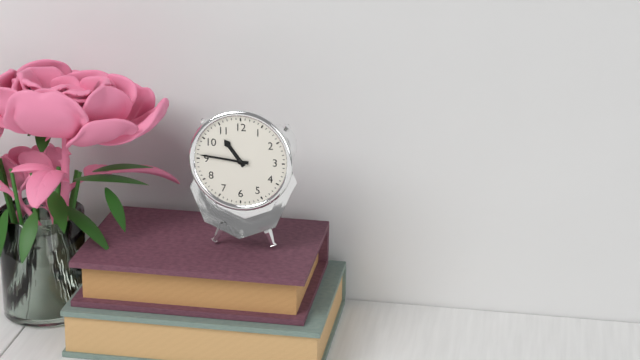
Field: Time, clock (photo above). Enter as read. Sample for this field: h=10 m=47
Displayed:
h=10 m=46
